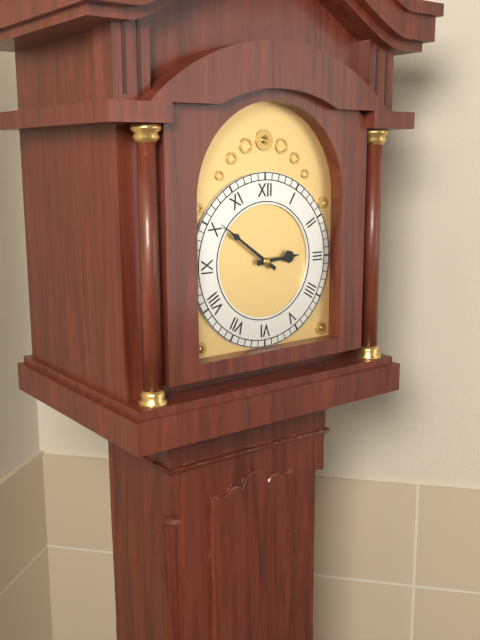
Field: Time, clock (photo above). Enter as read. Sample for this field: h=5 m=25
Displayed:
h=2 m=51
